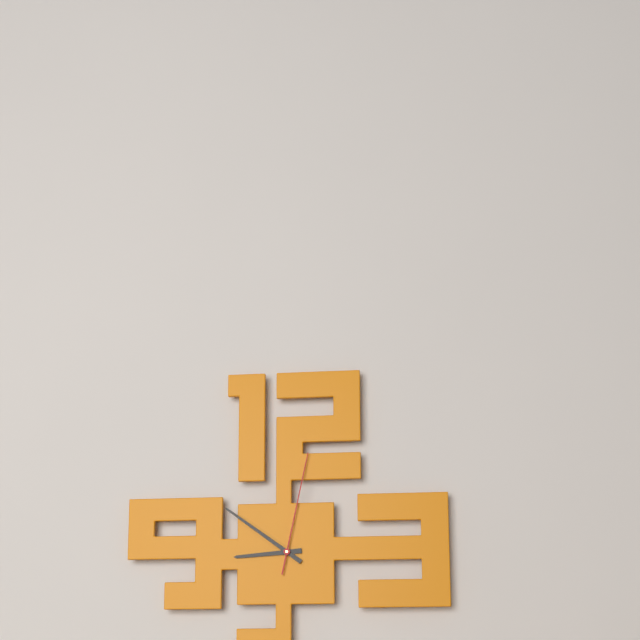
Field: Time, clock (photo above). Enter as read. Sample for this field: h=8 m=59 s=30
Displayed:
h=8 m=51 s=2
